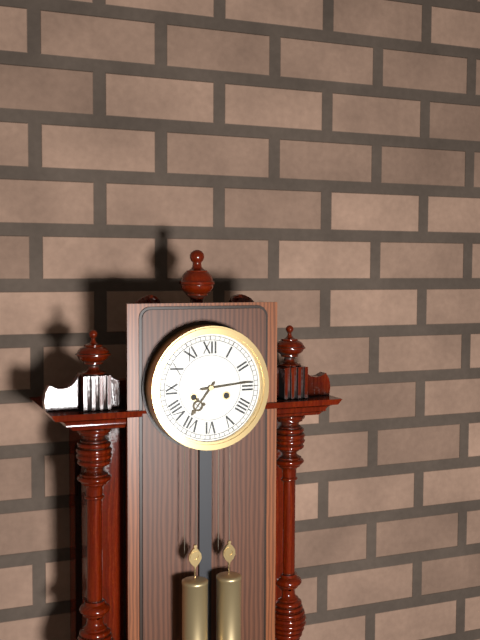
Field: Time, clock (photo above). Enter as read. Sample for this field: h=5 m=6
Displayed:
h=7 m=14
